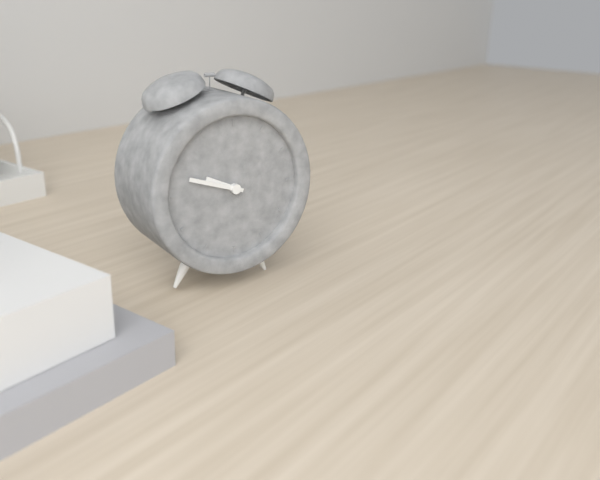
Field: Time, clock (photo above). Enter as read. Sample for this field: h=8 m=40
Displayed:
h=9 m=48
